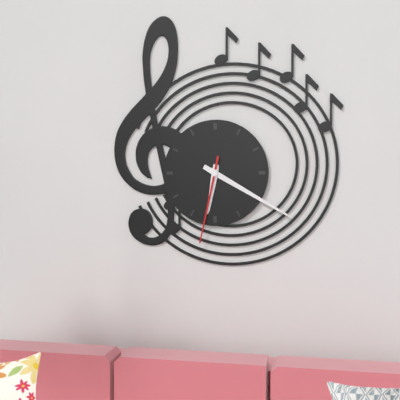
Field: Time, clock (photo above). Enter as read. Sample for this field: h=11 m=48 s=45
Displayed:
h=6 m=20 s=32
